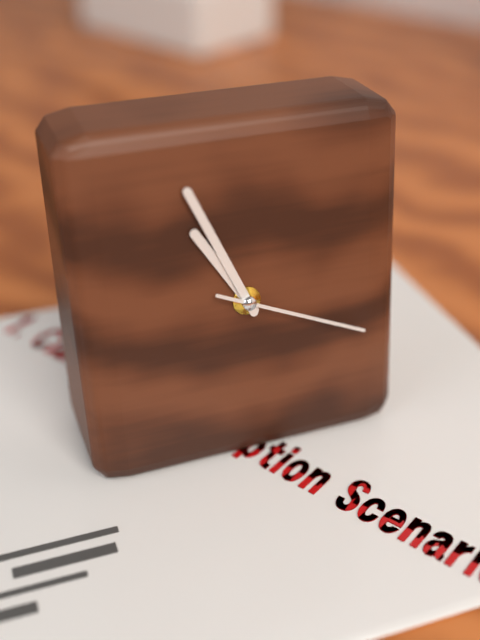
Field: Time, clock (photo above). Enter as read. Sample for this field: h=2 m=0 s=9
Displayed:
h=10 m=56 s=19
